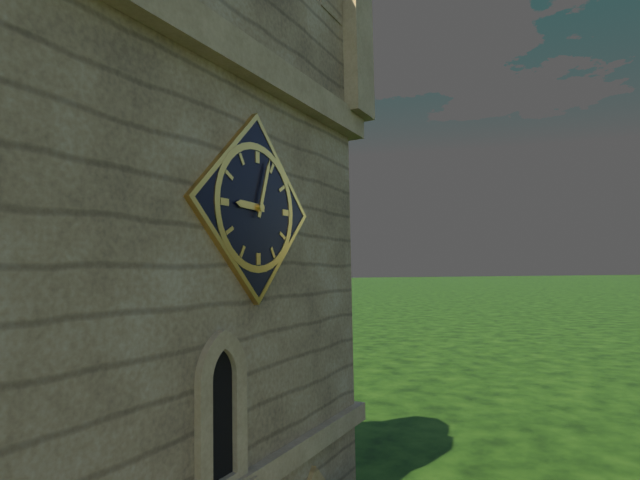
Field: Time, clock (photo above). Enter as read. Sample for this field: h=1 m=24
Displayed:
h=9 m=3
